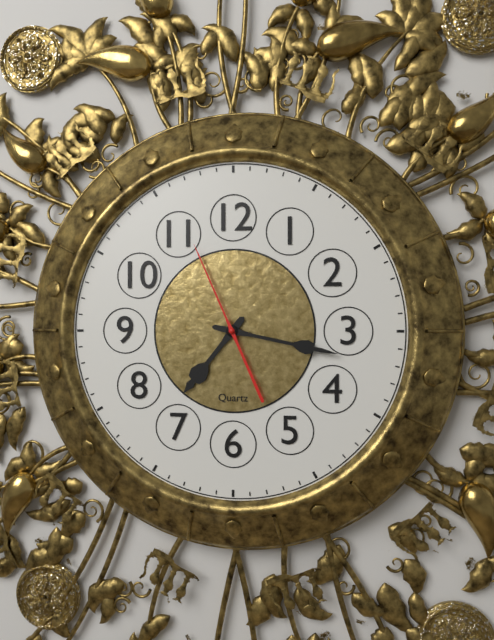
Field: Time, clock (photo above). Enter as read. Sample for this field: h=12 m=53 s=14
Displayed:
h=7 m=17 s=56
